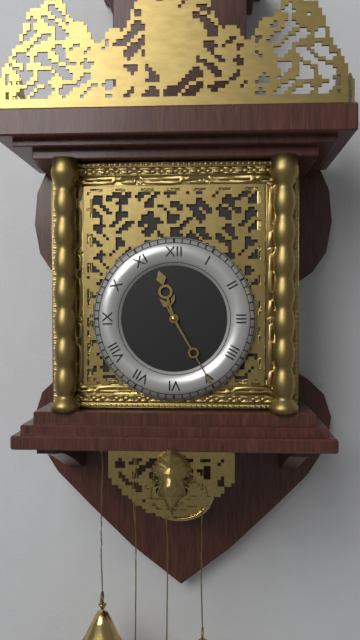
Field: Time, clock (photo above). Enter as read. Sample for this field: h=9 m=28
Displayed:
h=11 m=25
